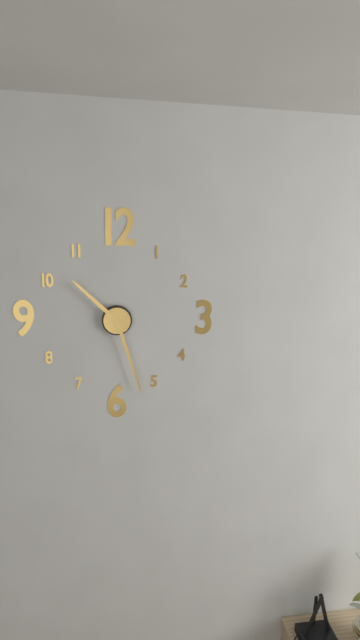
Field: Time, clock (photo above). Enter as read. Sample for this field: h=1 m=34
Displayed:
h=10 m=27
